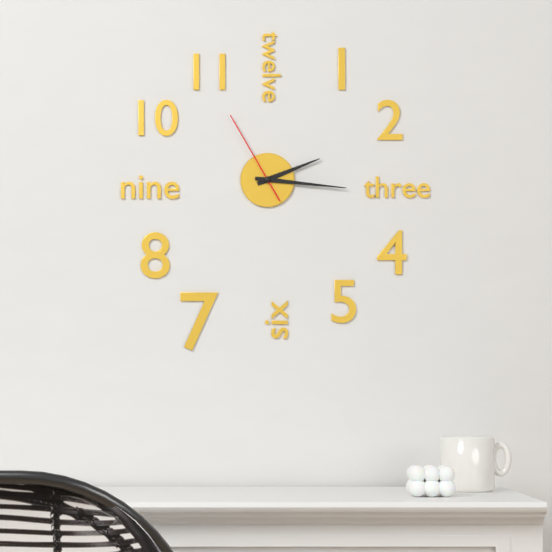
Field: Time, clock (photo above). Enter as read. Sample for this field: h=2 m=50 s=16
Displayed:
h=2 m=16 s=55
